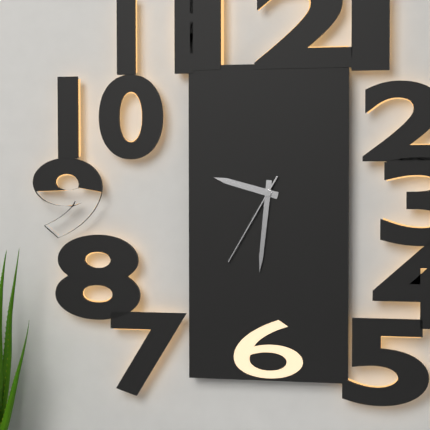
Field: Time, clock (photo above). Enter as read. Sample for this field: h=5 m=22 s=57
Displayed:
h=9 m=31 s=35
